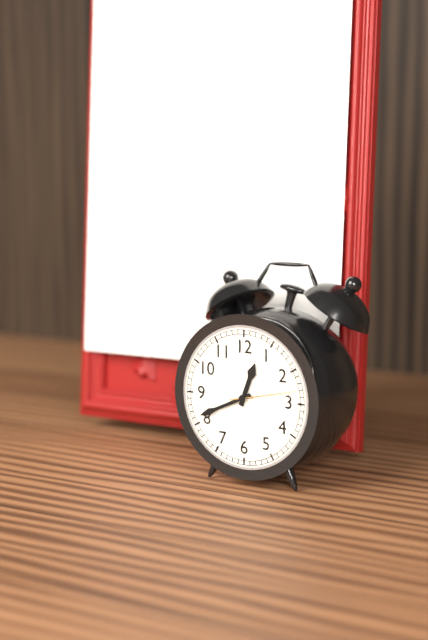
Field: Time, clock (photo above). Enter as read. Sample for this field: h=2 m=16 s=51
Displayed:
h=12 m=41 s=13
